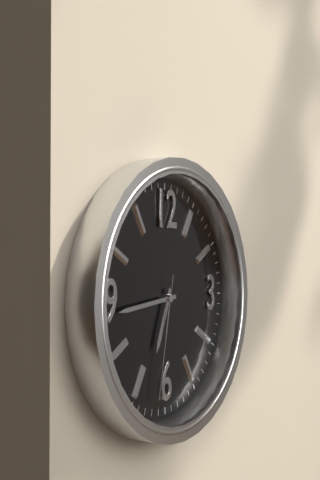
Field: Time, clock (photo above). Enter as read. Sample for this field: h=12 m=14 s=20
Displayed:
h=6 m=44 s=32
